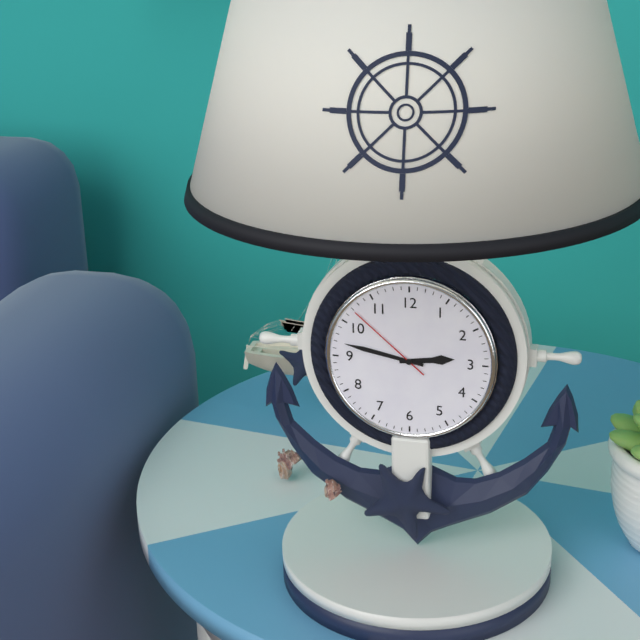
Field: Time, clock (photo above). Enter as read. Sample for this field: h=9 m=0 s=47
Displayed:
h=2 m=47 s=52
